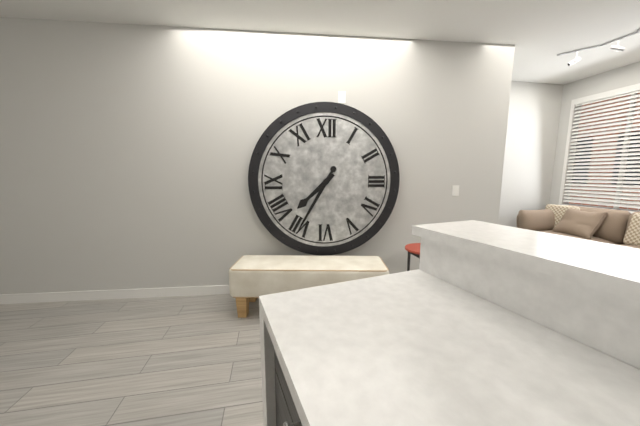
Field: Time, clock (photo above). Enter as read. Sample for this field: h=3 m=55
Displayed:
h=7 m=35
